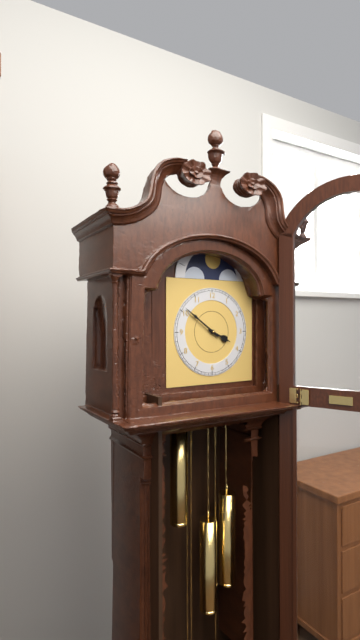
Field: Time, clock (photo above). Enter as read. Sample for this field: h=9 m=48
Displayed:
h=3 m=51
